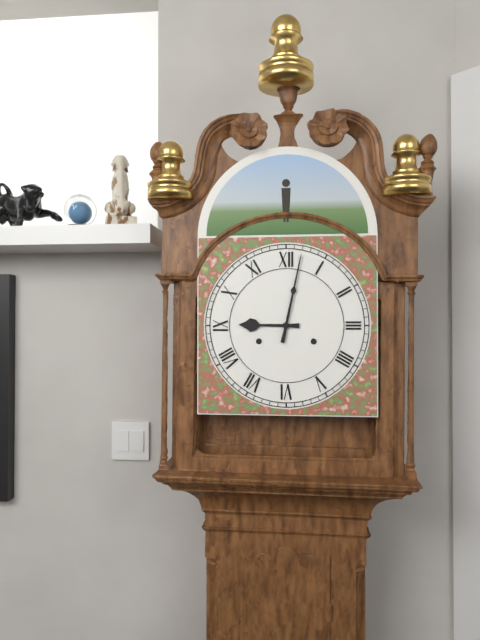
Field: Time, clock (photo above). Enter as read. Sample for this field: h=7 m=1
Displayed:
h=9 m=2
